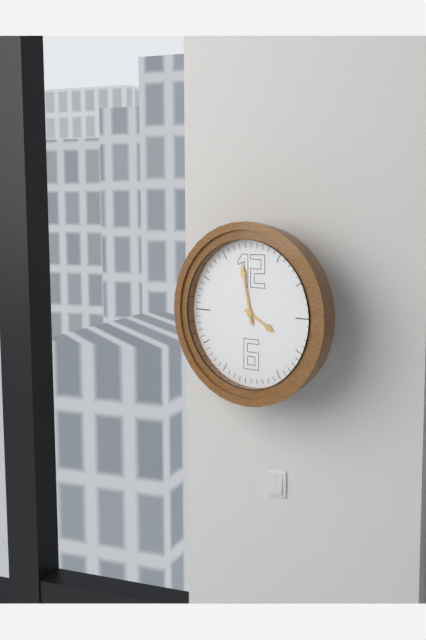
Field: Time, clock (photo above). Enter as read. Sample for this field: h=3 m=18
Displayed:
h=3 m=58
